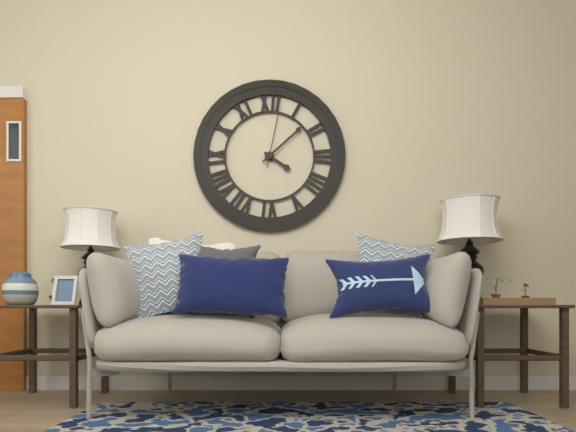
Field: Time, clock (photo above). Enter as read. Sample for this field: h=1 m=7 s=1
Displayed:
h=4 m=8 s=2
